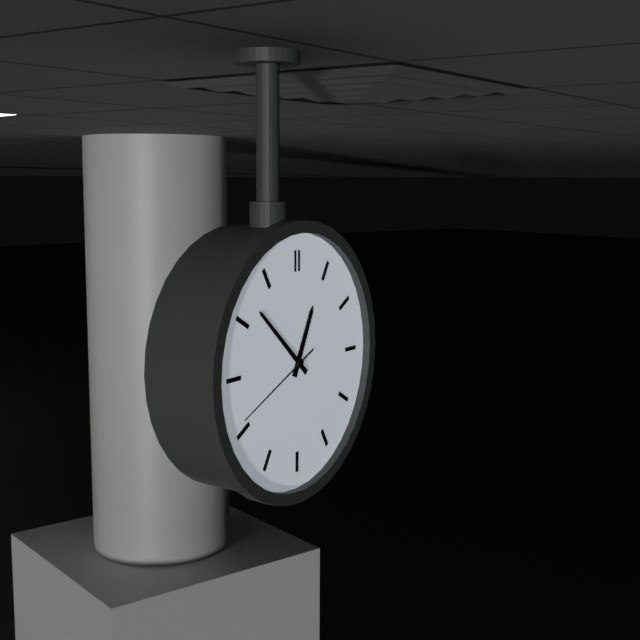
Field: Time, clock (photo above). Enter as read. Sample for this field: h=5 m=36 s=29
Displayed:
h=12 m=52 s=41
